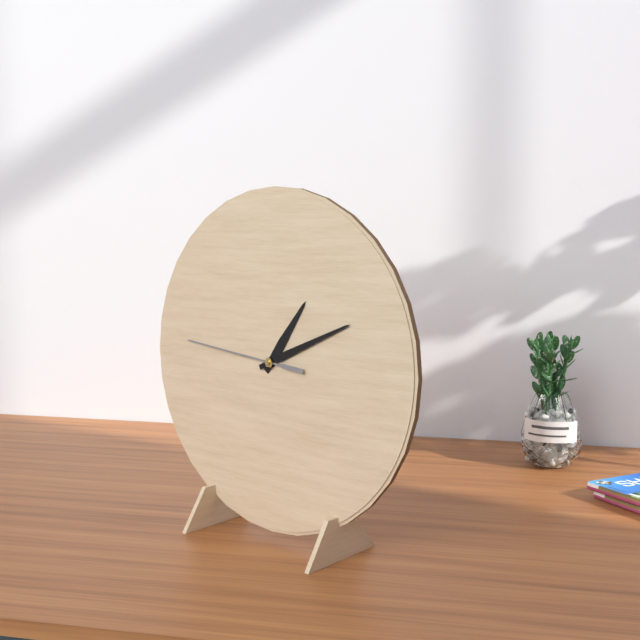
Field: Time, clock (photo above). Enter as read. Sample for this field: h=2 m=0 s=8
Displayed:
h=1 m=11 s=46
